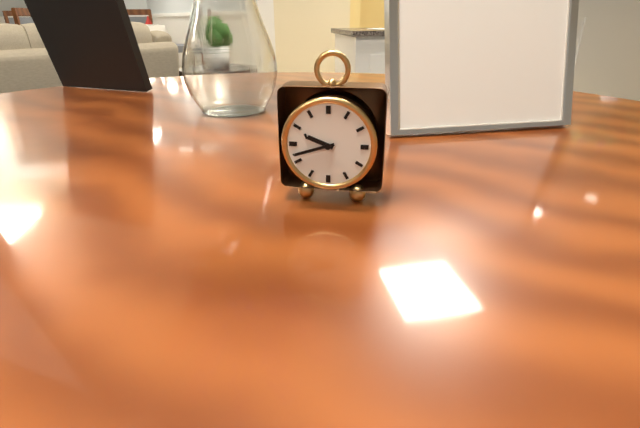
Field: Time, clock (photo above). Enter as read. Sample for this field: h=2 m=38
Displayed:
h=9 m=42
